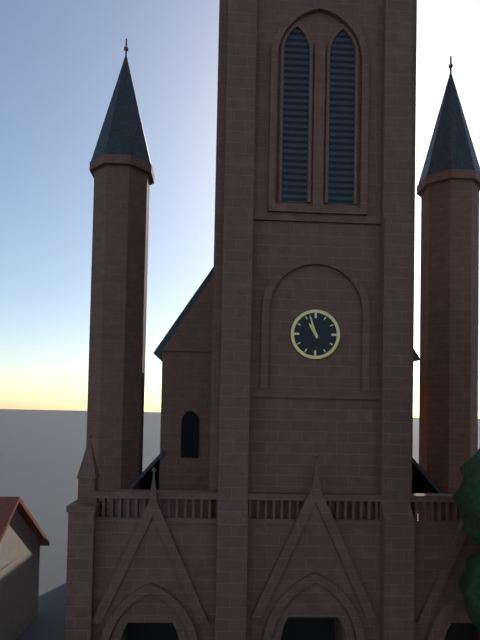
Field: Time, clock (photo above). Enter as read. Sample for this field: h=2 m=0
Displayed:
h=10 m=57
